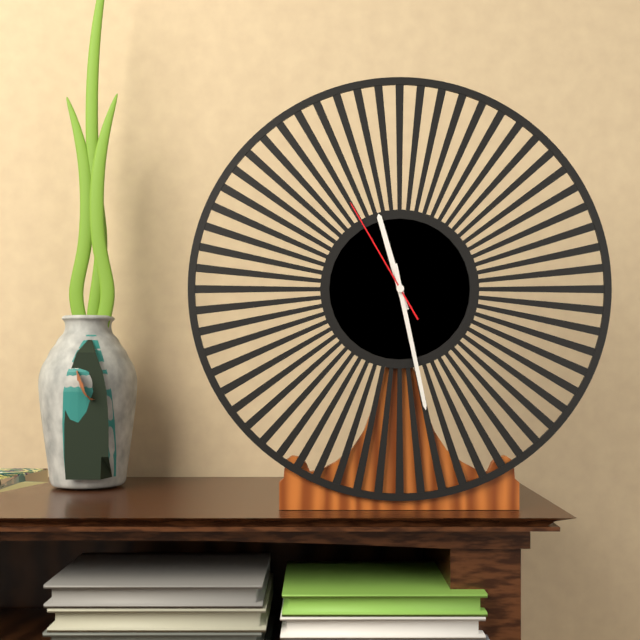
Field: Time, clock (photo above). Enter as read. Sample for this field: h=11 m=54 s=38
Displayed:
h=11 m=28 s=55
